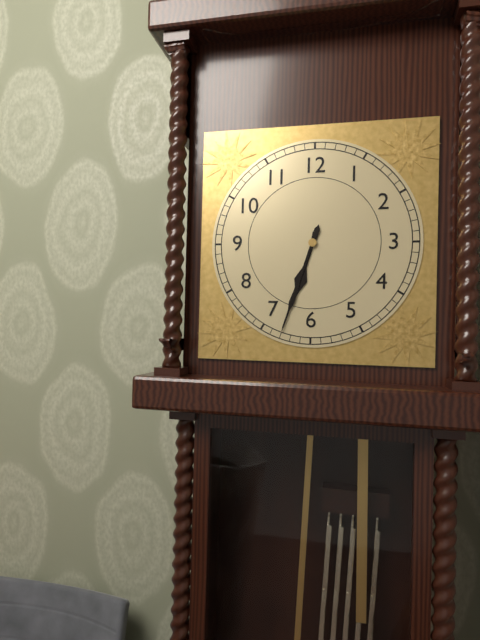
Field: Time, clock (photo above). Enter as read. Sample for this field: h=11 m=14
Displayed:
h=6 m=33
